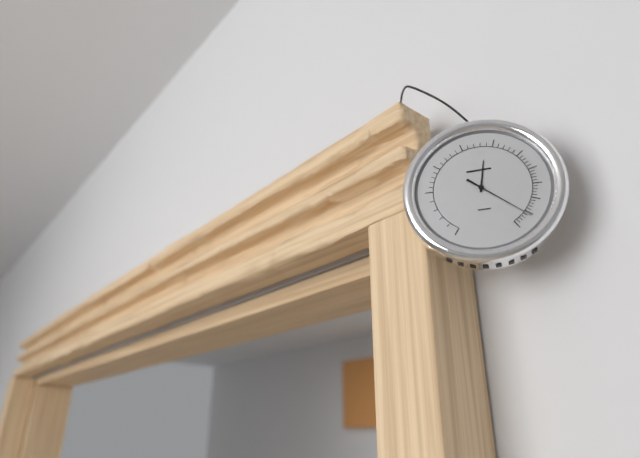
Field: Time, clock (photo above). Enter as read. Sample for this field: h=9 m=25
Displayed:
h=12 m=22
